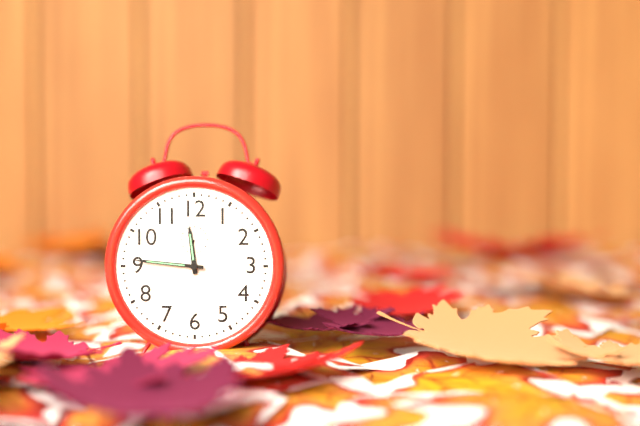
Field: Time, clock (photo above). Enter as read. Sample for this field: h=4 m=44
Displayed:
h=11 m=46
